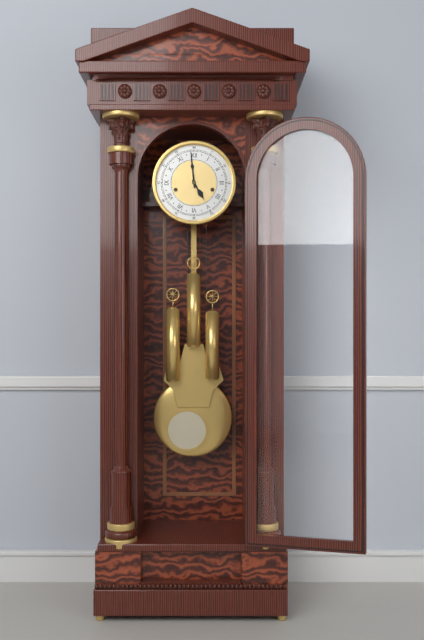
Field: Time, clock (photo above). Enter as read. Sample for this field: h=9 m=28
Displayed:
h=4 m=59
